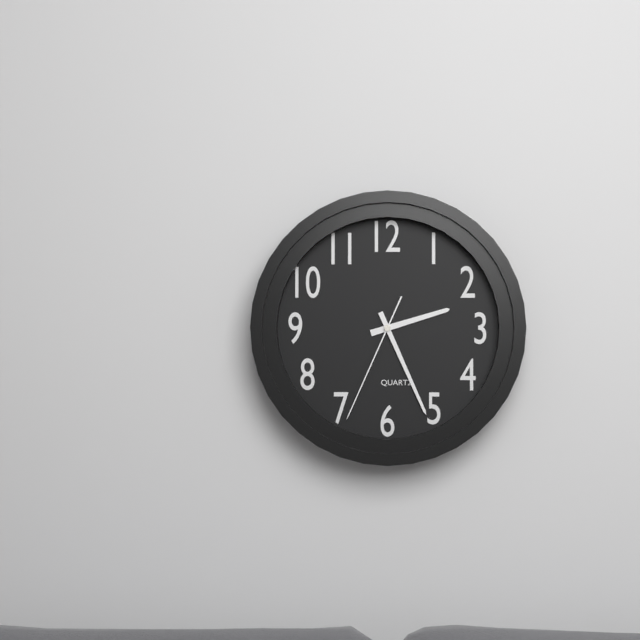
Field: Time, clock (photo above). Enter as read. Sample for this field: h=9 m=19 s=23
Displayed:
h=2 m=26 s=34
